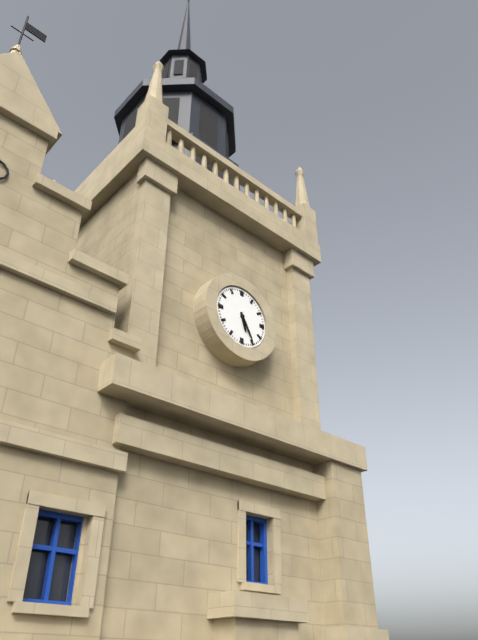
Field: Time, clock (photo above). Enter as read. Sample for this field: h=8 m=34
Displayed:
h=5 m=25
